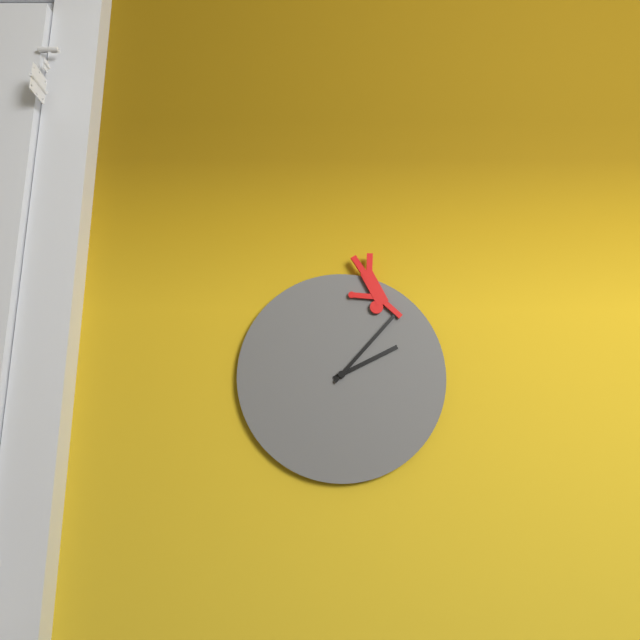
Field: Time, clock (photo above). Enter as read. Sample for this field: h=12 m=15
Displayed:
h=2 m=7
